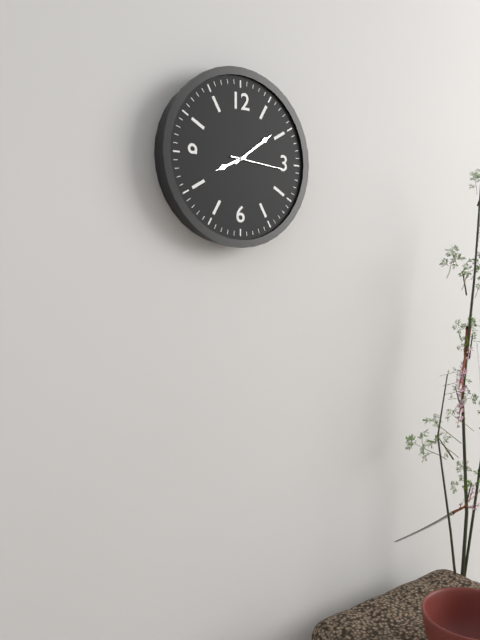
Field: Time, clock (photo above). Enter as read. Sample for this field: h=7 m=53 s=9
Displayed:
h=8 m=9 s=16
